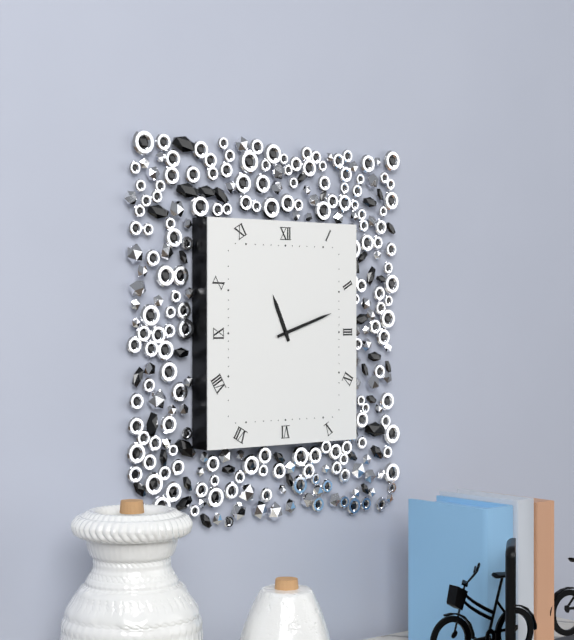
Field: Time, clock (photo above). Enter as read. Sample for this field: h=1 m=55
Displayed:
h=11 m=12
